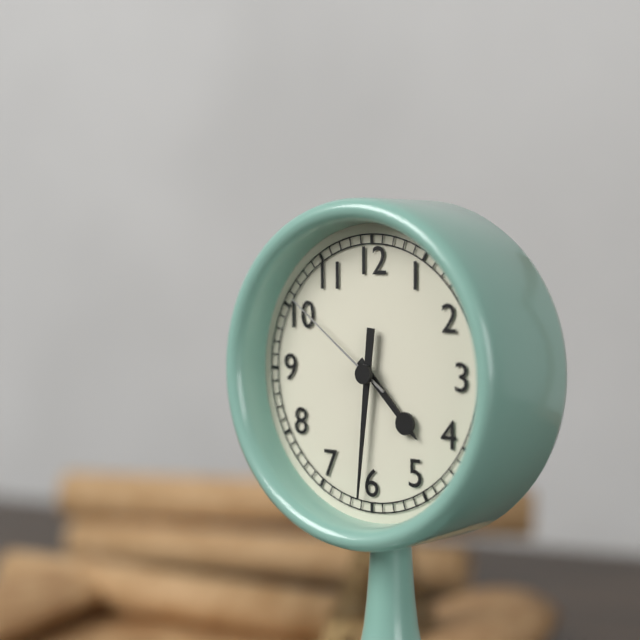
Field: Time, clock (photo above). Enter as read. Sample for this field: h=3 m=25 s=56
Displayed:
h=4 m=31 s=51
